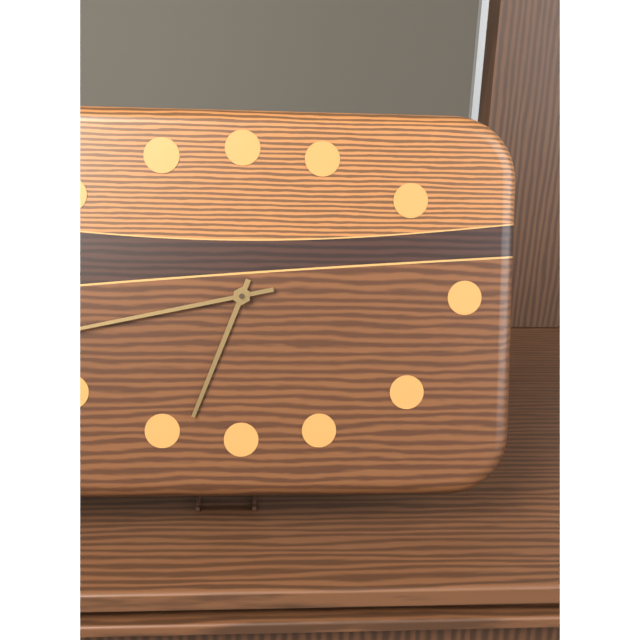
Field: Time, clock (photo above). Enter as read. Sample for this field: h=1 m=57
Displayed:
h=6 m=43
